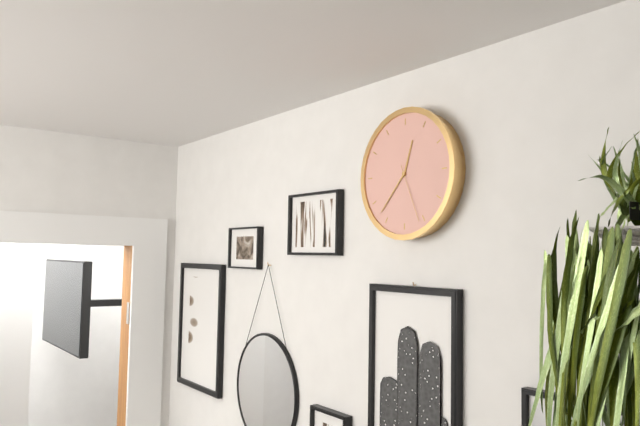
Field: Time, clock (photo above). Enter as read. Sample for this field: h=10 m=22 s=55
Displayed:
h=12 m=37 s=26
